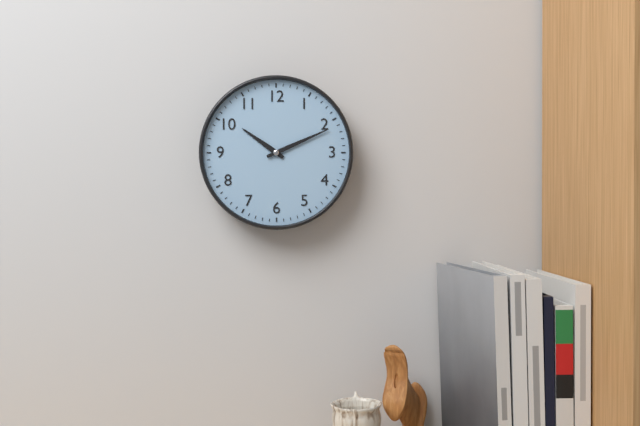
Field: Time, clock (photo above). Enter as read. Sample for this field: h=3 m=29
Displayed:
h=10 m=11
